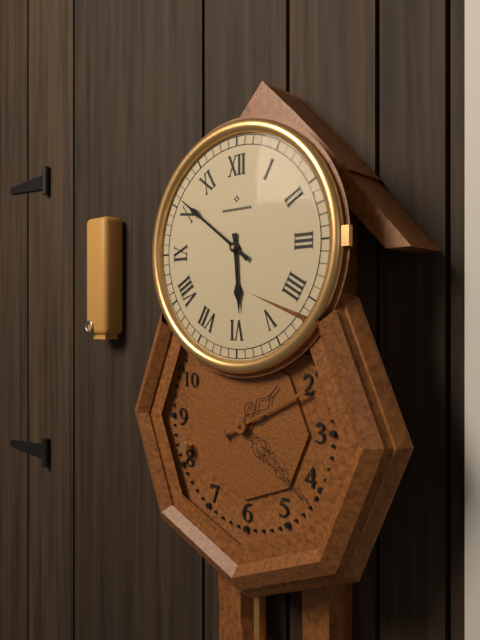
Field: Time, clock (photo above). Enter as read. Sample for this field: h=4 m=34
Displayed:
h=5 m=51
